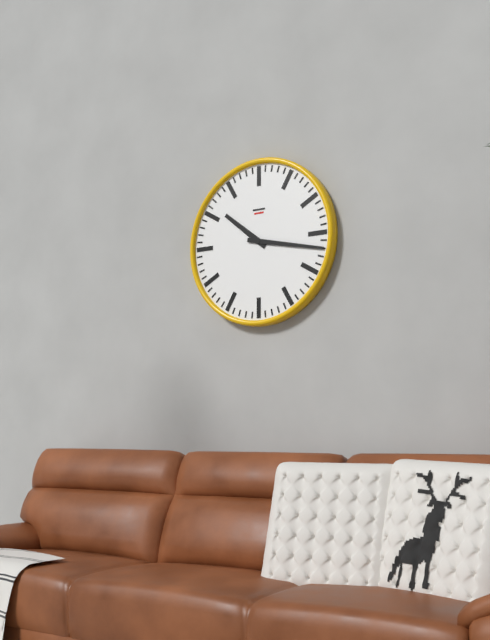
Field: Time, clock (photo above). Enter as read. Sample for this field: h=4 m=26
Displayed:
h=10 m=17
